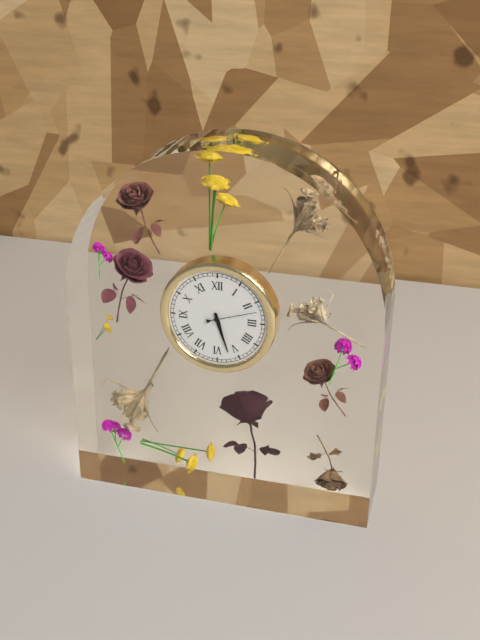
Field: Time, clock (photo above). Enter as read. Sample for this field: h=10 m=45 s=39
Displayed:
h=5 m=27 s=12
